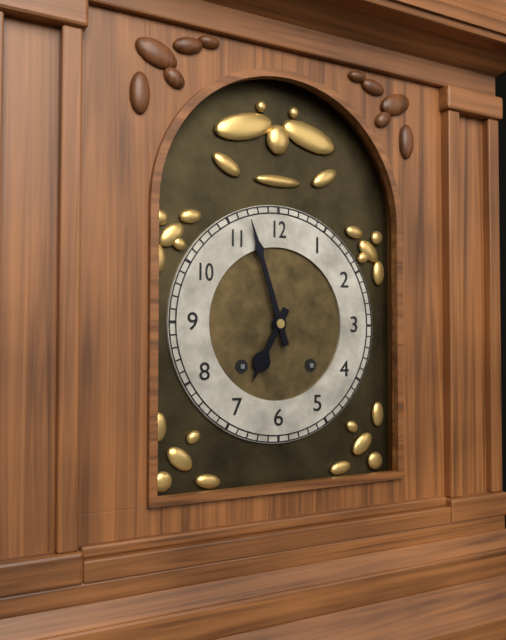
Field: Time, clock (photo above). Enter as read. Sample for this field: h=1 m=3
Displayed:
h=6 m=57
